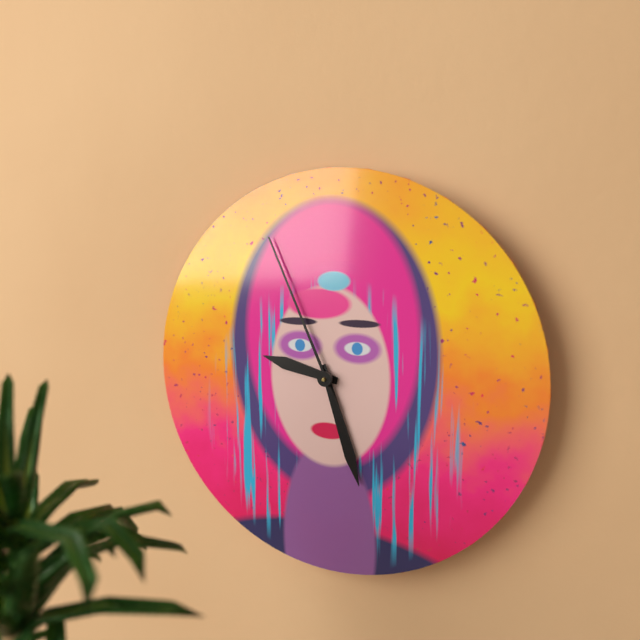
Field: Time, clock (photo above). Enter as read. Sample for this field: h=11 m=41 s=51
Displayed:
h=9 m=27 s=56
